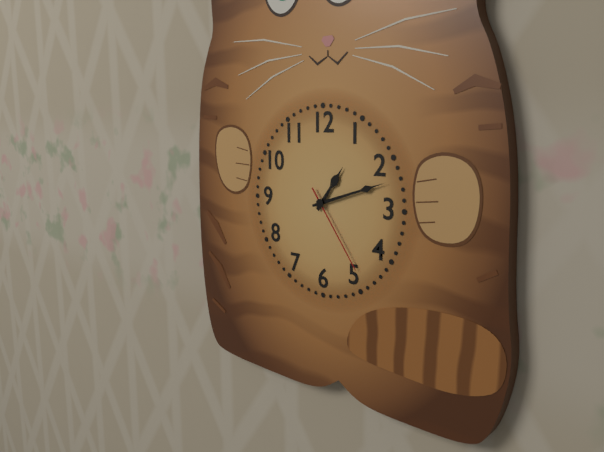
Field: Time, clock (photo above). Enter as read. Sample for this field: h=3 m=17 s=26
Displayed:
h=1 m=12 s=24
